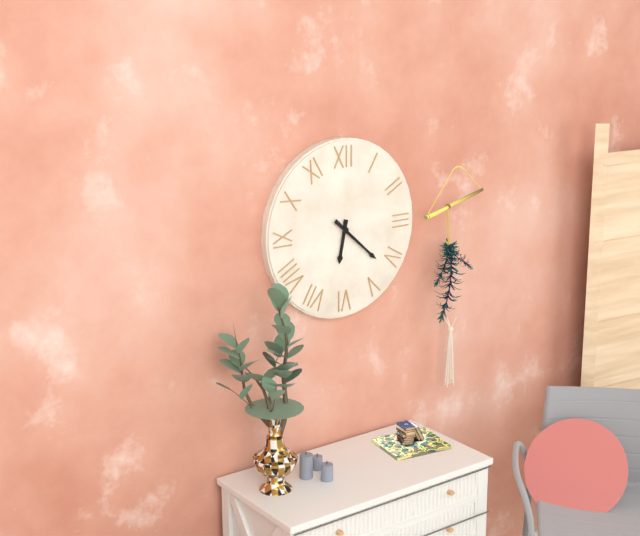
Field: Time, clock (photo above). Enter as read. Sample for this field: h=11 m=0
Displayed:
h=6 m=22
